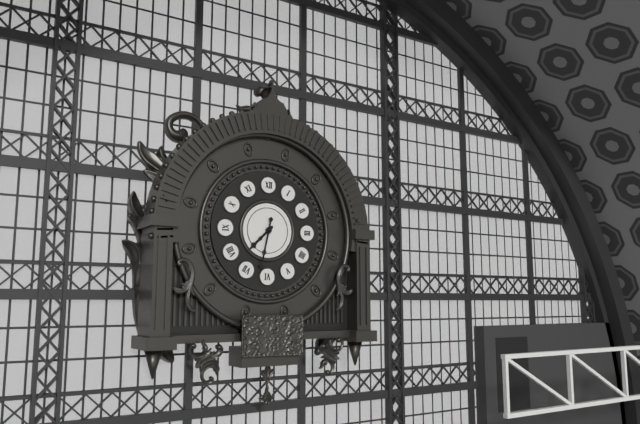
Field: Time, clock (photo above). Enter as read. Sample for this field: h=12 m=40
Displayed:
h=7 m=32
